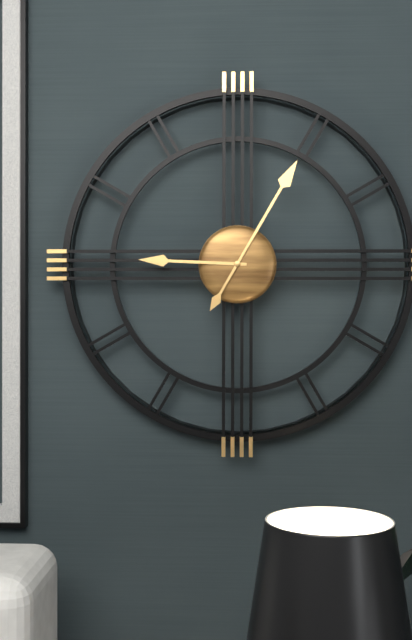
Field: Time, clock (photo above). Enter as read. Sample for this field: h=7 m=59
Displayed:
h=9 m=5
